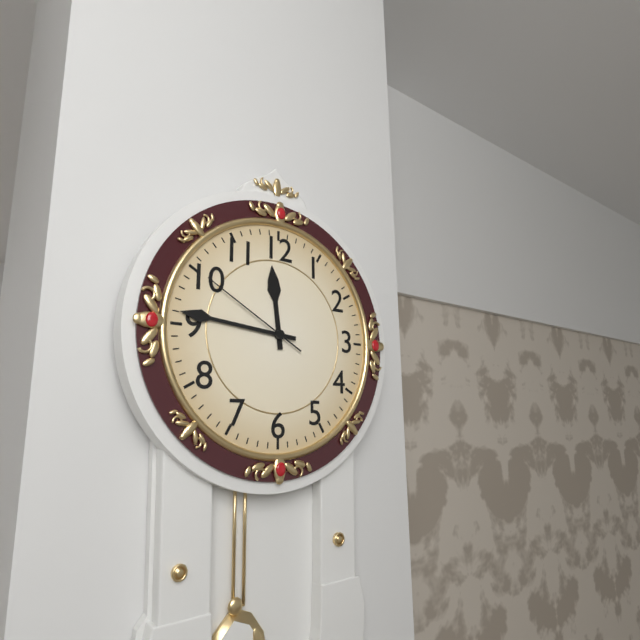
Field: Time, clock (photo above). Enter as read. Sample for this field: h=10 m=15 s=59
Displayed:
h=11 m=46 s=50
